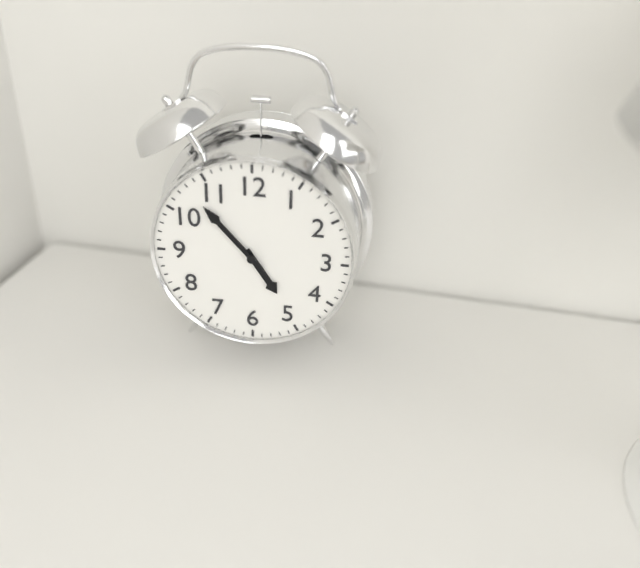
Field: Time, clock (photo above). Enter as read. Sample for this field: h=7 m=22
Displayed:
h=4 m=53
